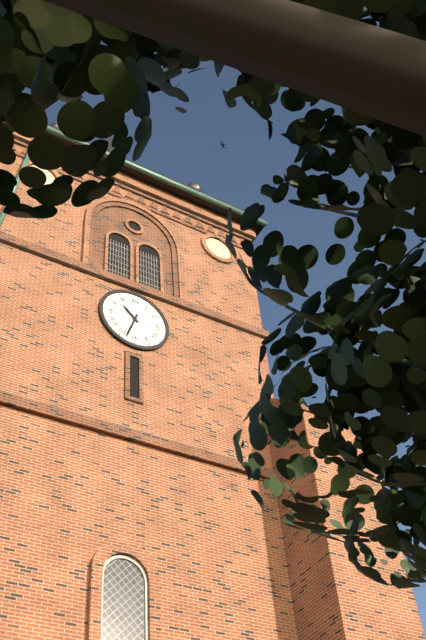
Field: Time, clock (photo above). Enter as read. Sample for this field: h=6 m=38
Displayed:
h=10 m=33
